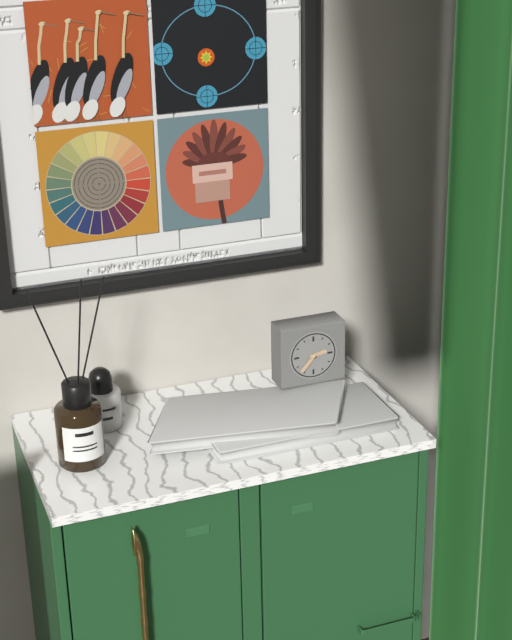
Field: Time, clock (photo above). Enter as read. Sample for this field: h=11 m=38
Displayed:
h=2 m=37
